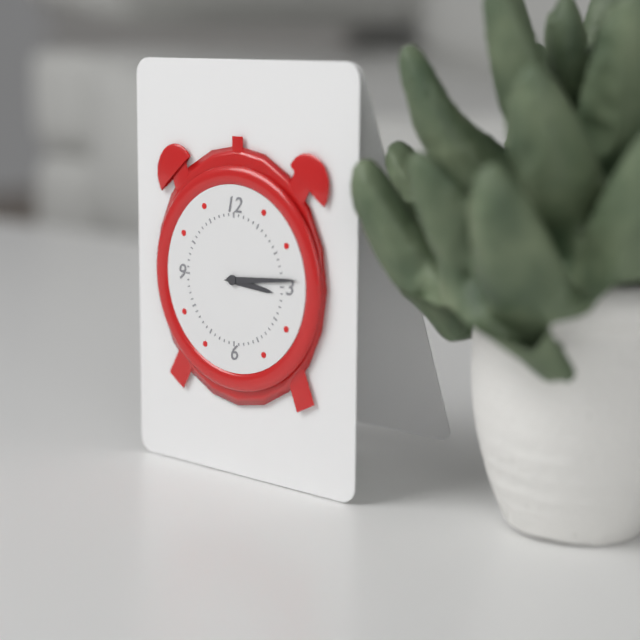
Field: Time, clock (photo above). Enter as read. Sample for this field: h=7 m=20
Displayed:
h=3 m=14
